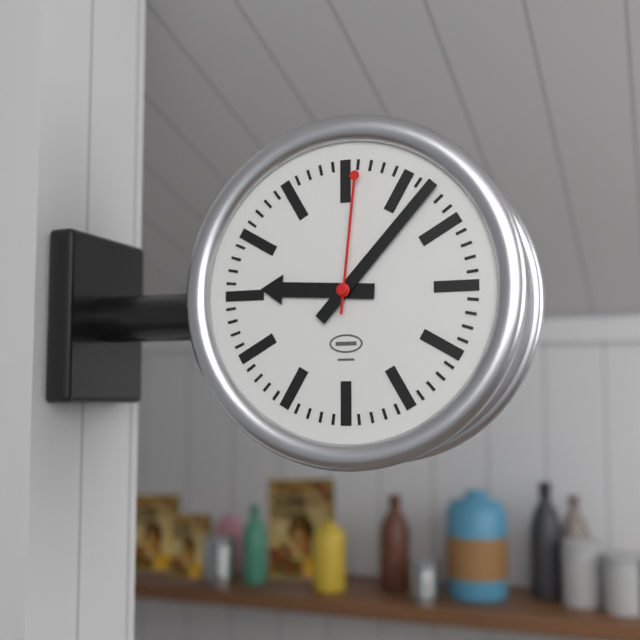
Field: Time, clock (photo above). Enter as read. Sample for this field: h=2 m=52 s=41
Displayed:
h=9 m=7 s=1
